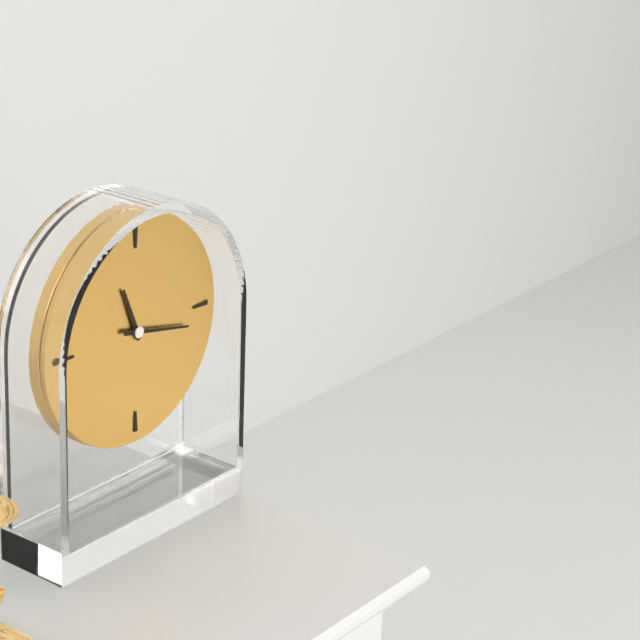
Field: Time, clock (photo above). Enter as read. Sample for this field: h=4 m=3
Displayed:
h=11 m=17
